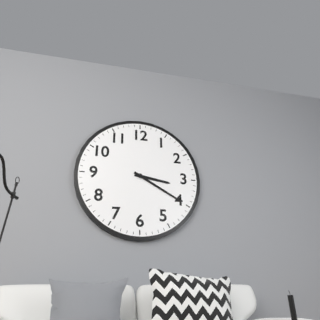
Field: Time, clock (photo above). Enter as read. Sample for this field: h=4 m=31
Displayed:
h=3 m=20
